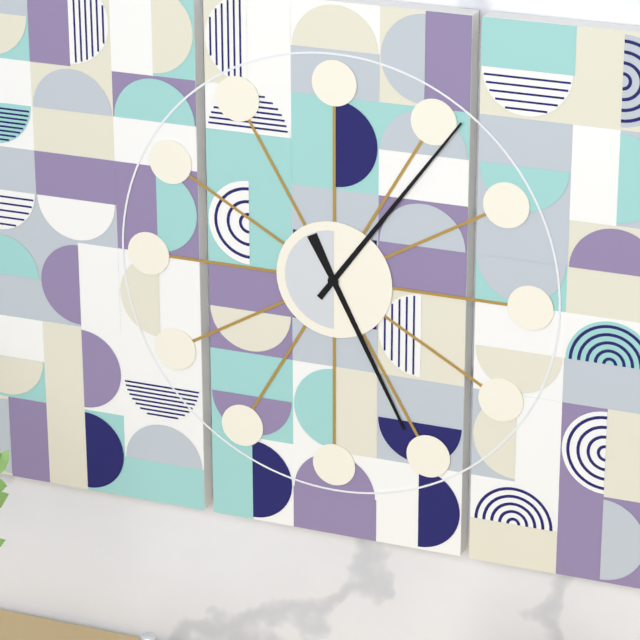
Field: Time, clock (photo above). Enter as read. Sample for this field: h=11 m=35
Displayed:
h=5 m=6
